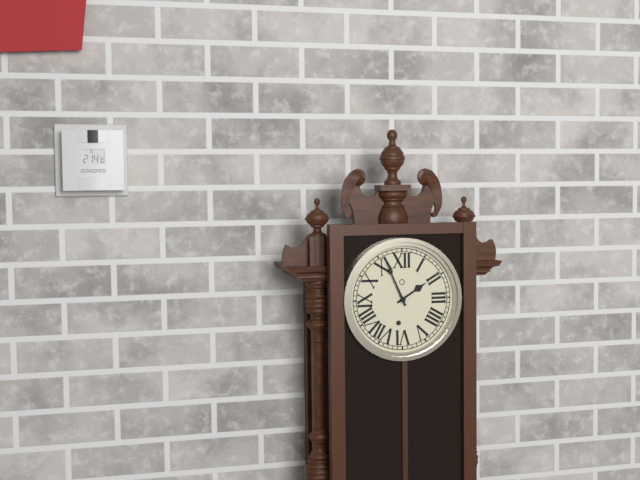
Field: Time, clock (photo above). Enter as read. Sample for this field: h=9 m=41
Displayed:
h=1 m=56
